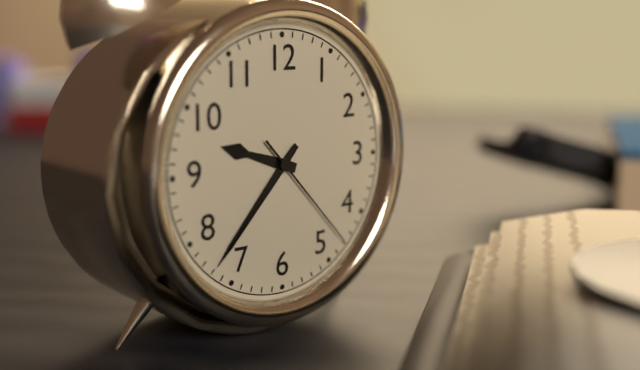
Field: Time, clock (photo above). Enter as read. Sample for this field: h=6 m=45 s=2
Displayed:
h=9 m=37 s=23
